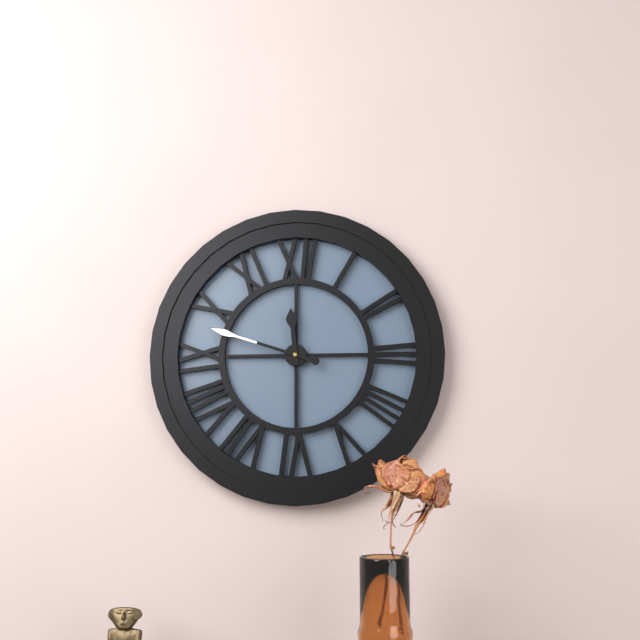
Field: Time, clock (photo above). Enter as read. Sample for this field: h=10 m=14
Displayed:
h=11 m=48
